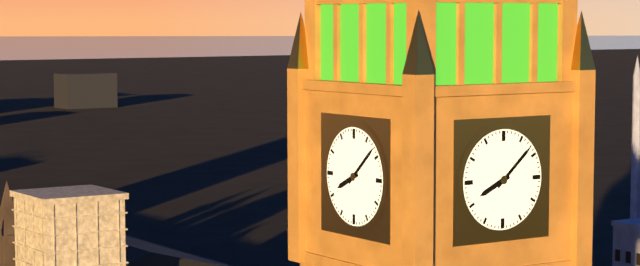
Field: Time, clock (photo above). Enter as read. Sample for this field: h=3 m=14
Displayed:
h=8 m=8
